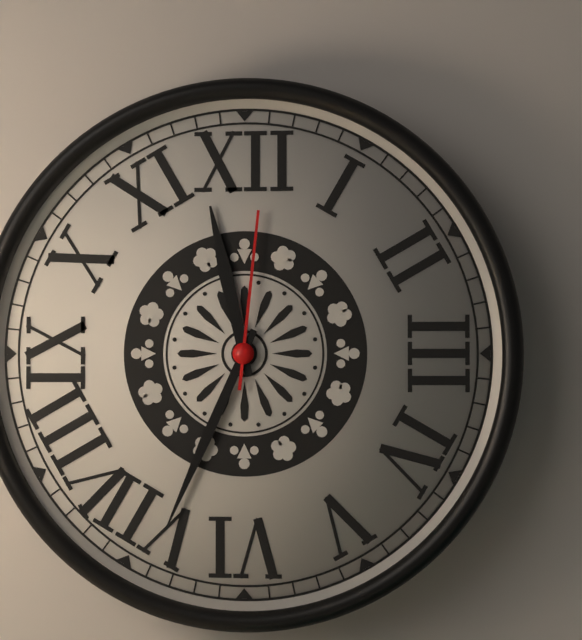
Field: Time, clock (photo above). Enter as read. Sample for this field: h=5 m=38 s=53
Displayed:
h=11 m=34 s=1
